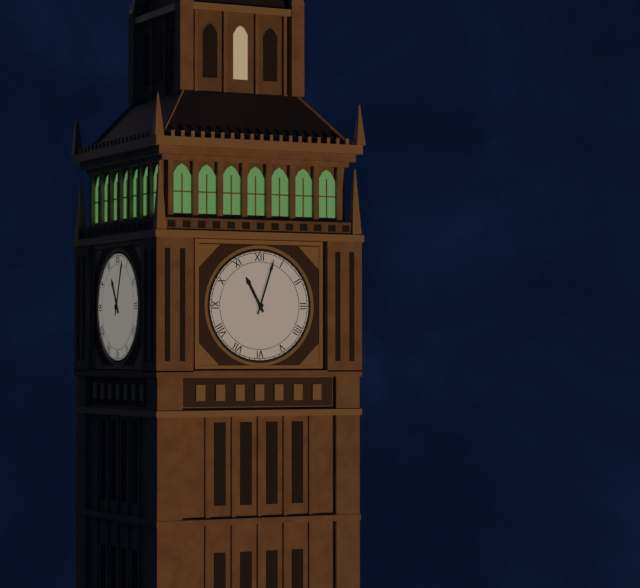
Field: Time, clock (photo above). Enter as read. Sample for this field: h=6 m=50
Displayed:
h=11 m=3
